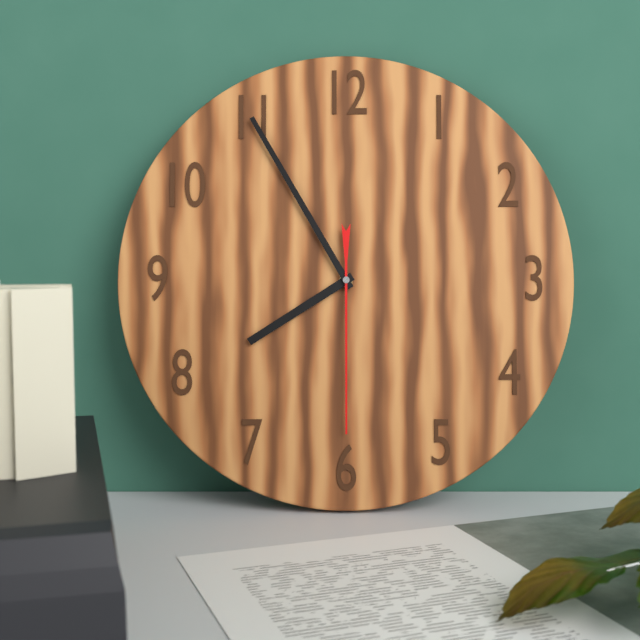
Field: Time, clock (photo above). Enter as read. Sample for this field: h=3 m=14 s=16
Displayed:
h=7 m=55 s=30
